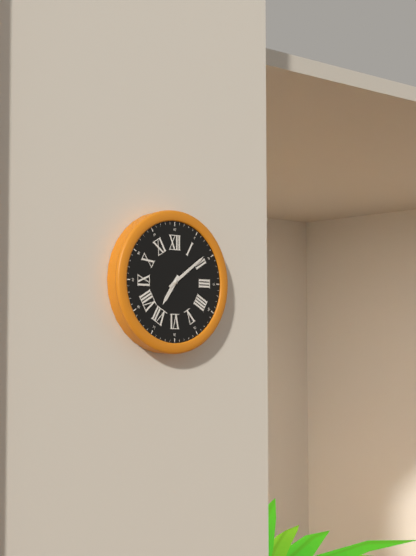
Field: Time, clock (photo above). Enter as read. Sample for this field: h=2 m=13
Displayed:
h=7 m=9
